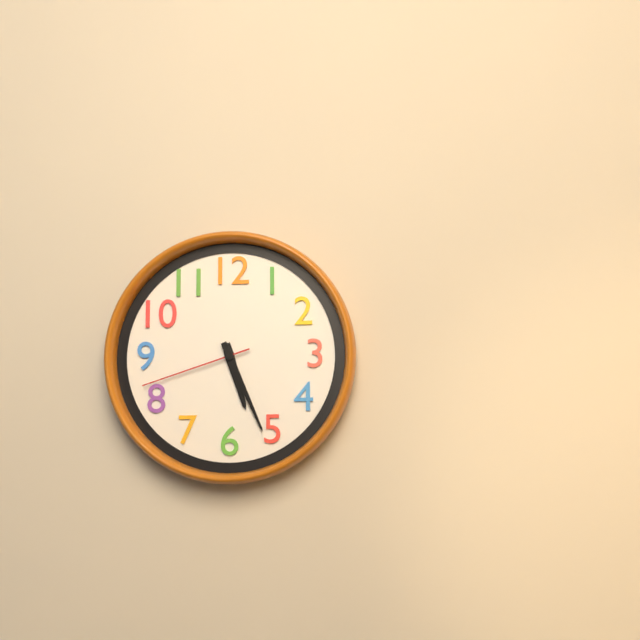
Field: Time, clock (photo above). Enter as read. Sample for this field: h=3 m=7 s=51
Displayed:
h=5 m=26 s=42
